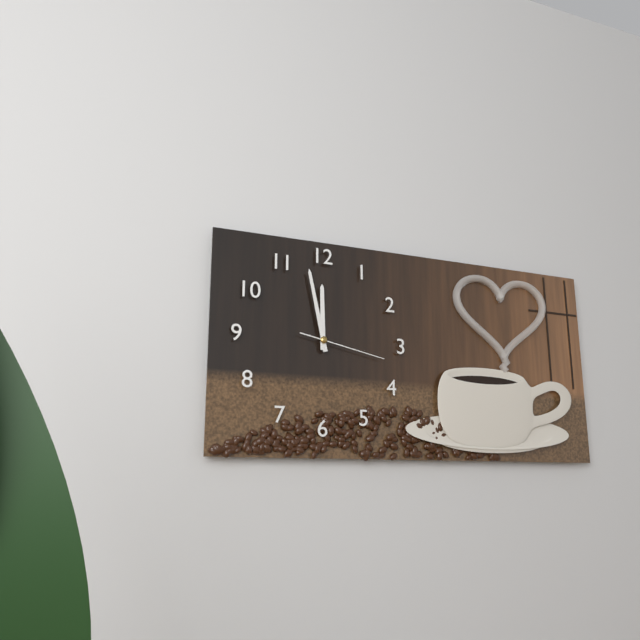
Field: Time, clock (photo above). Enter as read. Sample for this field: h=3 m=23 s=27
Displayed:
h=11 m=58 s=17
